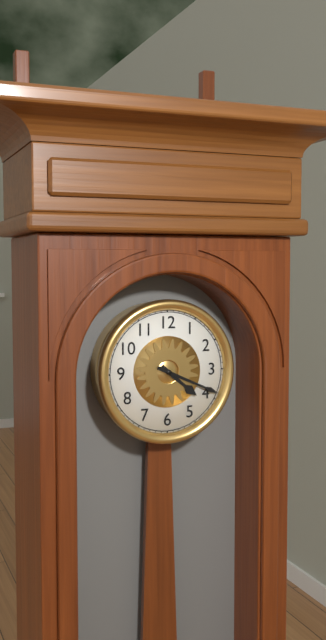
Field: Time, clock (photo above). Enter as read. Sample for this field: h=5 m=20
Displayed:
h=4 m=19
